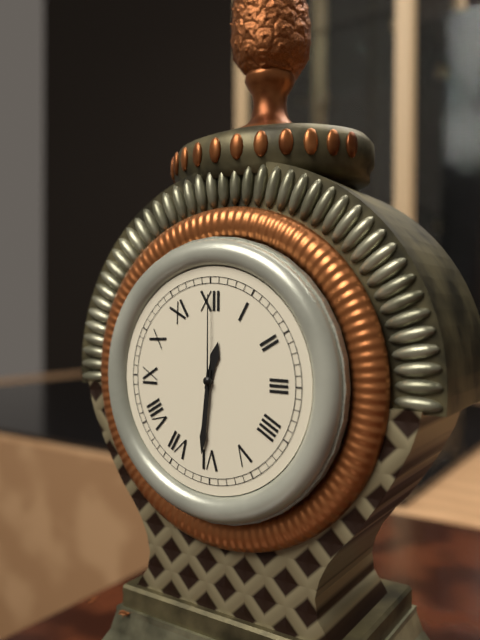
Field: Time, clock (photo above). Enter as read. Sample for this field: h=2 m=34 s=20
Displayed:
h=12 m=31 s=0
